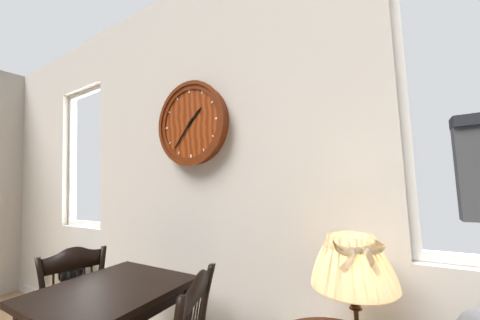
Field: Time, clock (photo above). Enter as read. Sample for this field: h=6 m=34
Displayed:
h=1 m=37
